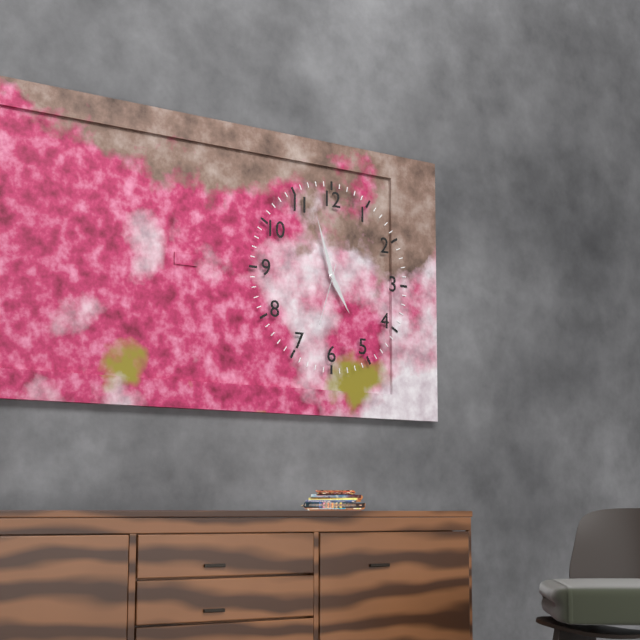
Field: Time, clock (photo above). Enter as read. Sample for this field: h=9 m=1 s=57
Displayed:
h=4 m=57 s=33
